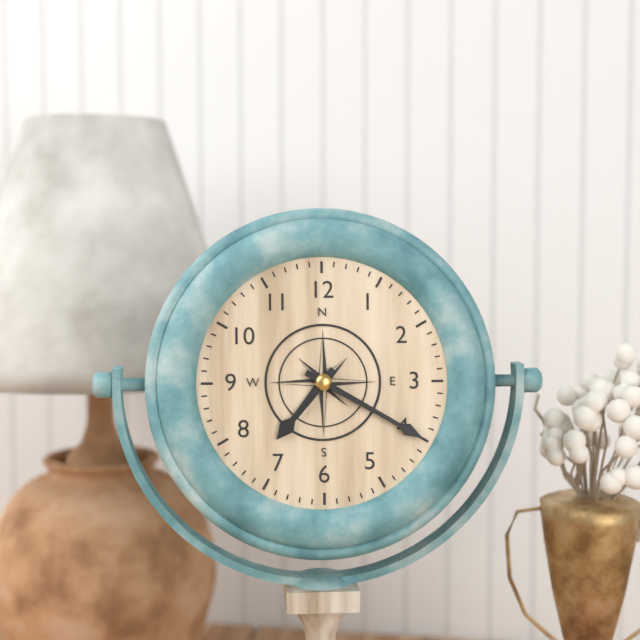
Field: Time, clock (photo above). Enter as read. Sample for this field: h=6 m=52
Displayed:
h=7 m=20
